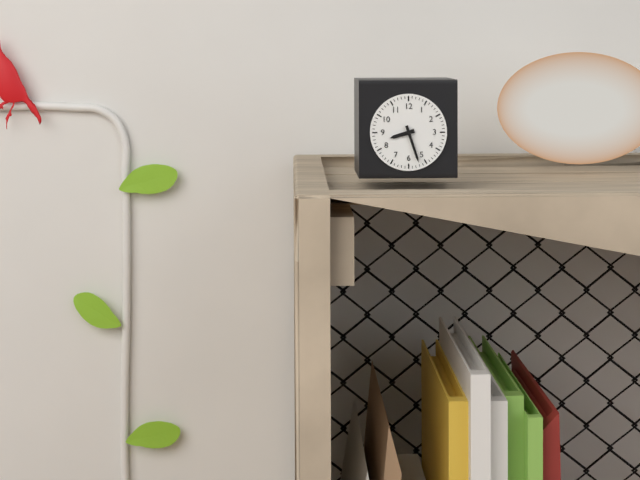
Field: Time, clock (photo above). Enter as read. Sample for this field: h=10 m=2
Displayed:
h=8 m=27
